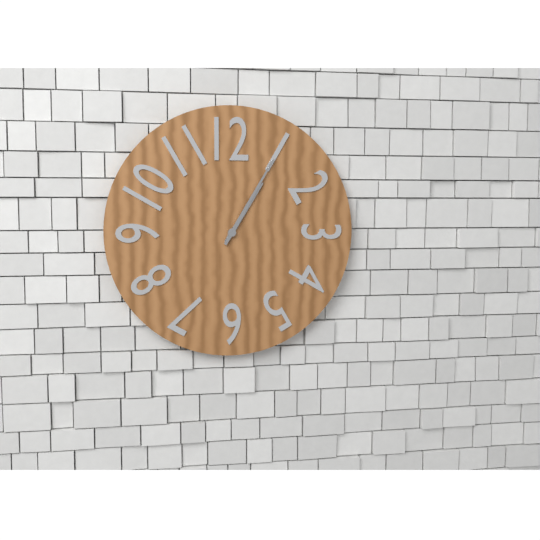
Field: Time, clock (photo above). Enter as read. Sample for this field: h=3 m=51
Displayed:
h=1 m=5
